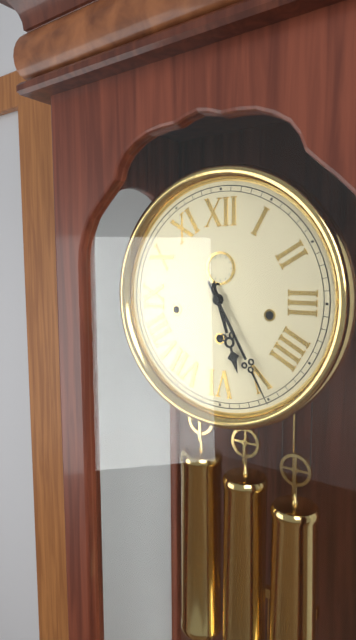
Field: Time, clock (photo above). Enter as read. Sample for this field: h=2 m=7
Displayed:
h=5 m=25
